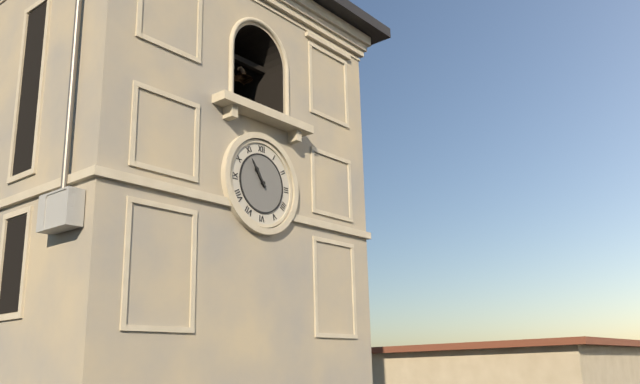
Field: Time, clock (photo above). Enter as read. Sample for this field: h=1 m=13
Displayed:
h=10 m=54
